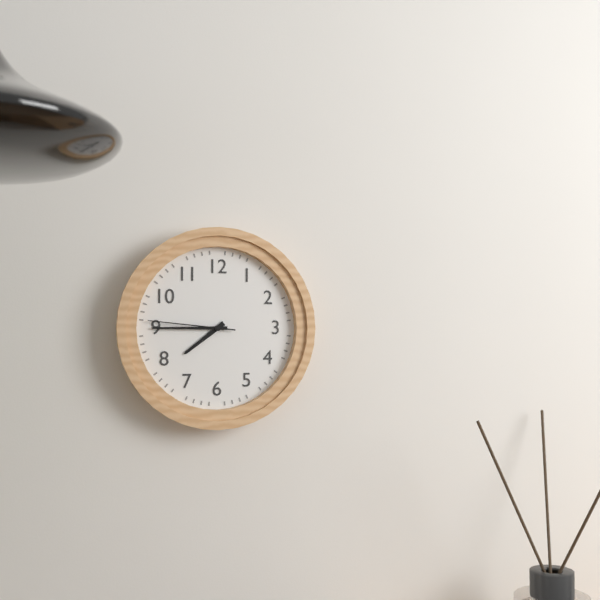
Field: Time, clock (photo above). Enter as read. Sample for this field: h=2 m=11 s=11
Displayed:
h=7 m=45 s=46
